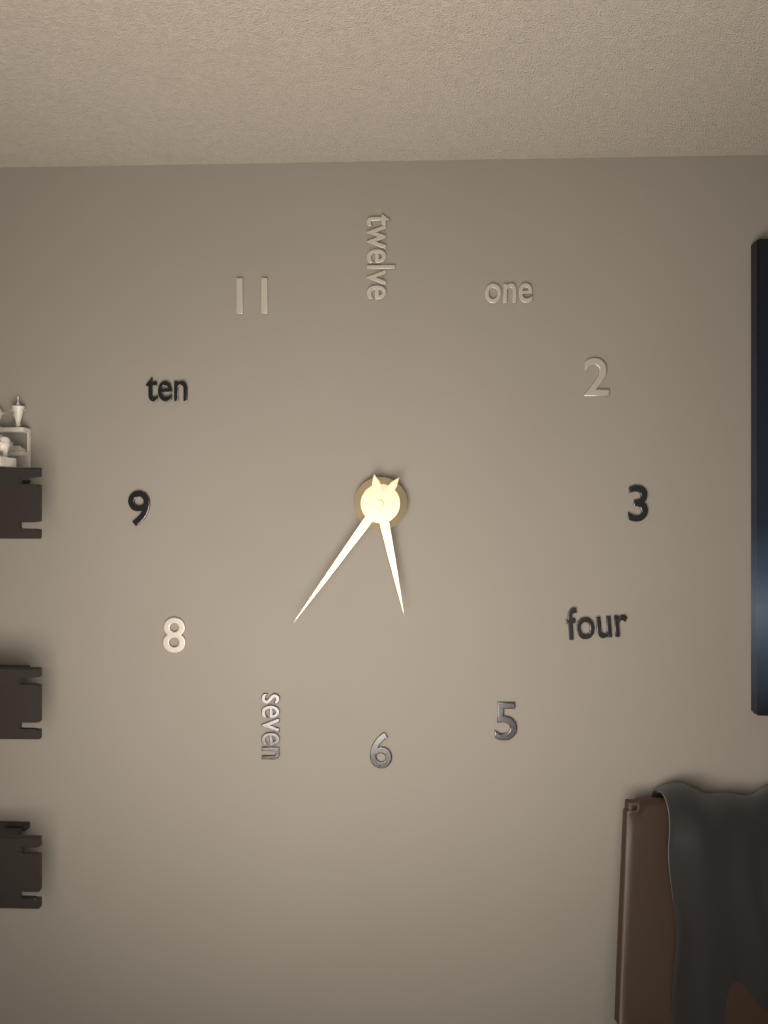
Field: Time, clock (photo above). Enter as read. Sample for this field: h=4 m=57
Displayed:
h=5 m=36
